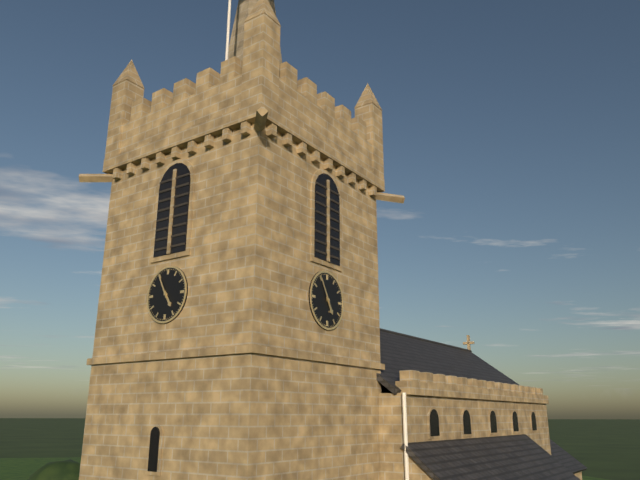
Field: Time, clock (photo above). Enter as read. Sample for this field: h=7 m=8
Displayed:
h=4 m=55
